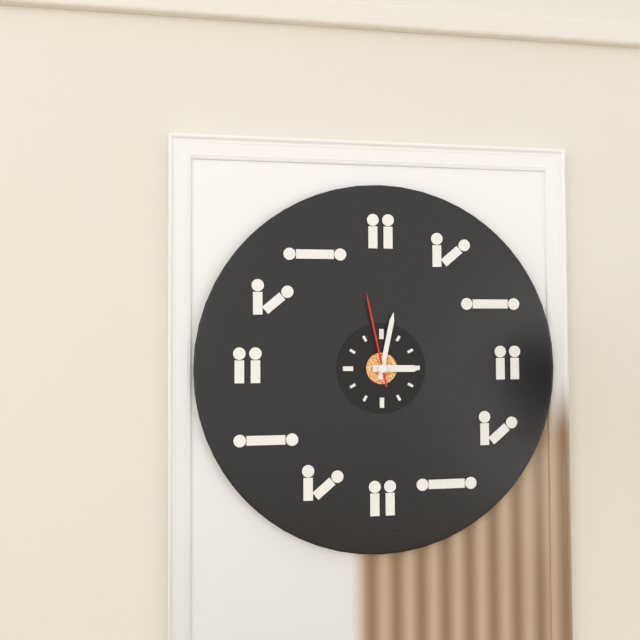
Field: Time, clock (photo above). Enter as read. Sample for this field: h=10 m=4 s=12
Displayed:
h=3 m=2 s=58
